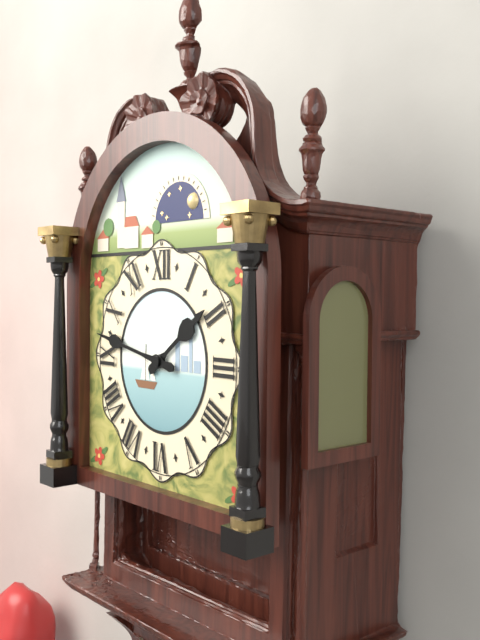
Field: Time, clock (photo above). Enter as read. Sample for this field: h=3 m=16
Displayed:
h=1 m=47
